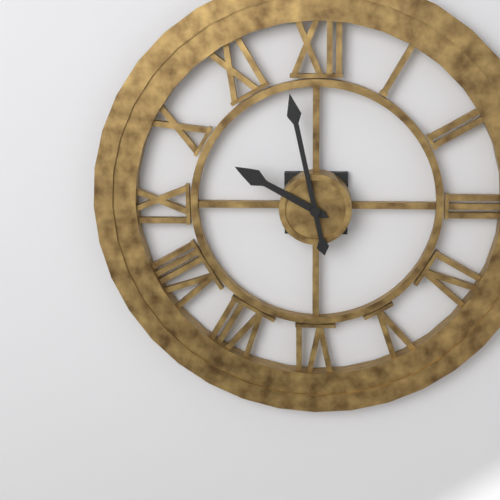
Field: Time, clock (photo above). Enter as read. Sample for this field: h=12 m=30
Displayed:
h=9 m=58
